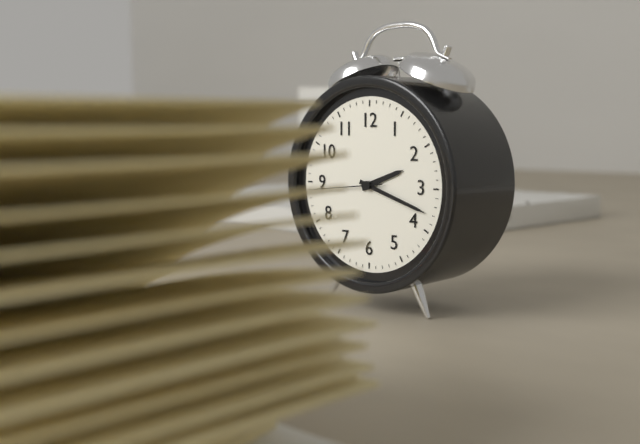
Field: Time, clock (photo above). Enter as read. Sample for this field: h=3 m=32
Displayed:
h=2 m=18
